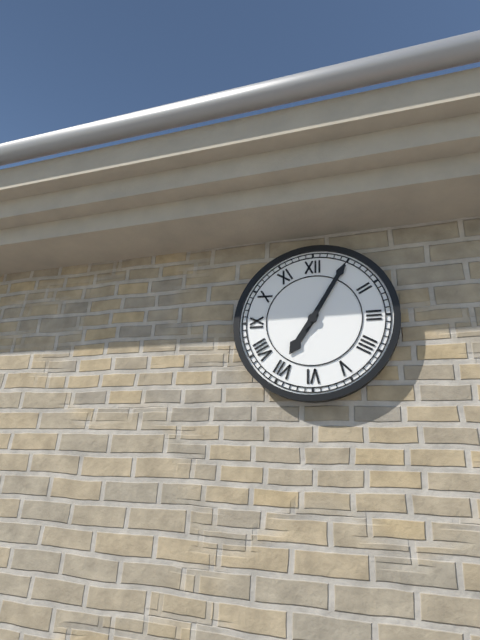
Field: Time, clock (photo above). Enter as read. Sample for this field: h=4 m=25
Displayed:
h=7 m=5
